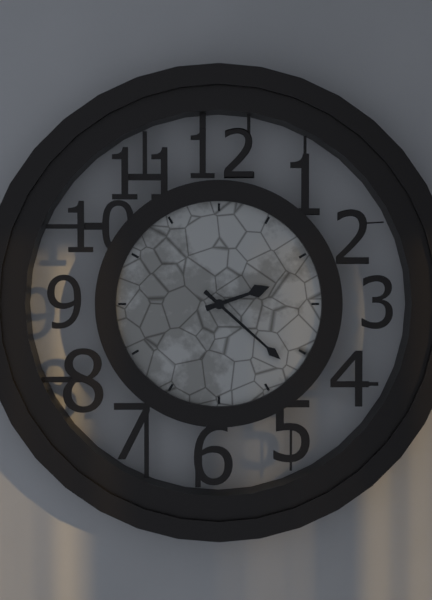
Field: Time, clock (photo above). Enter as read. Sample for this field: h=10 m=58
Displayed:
h=2 m=22
